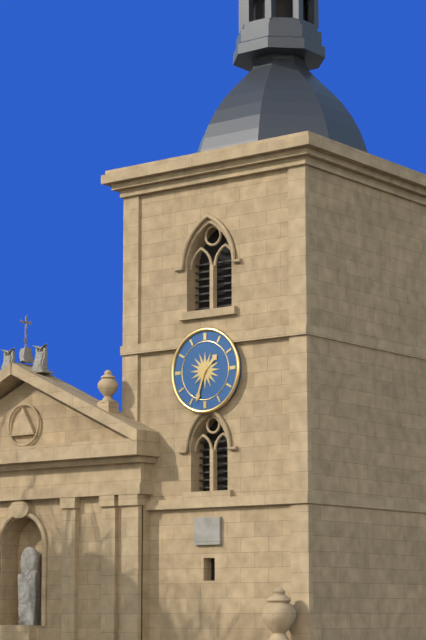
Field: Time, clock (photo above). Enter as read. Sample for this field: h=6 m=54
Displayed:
h=1 m=33
